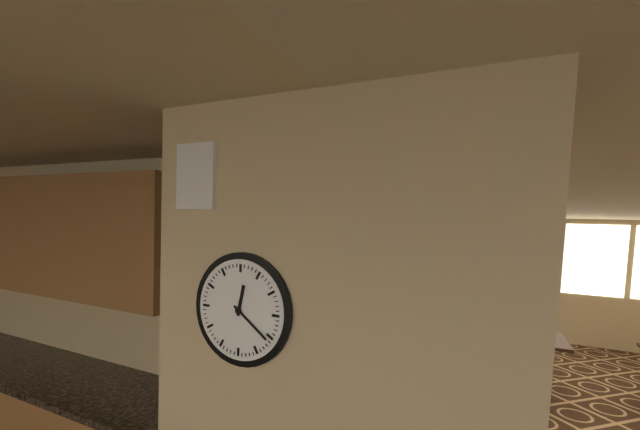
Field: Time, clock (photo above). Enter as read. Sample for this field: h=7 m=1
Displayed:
h=12 m=21
